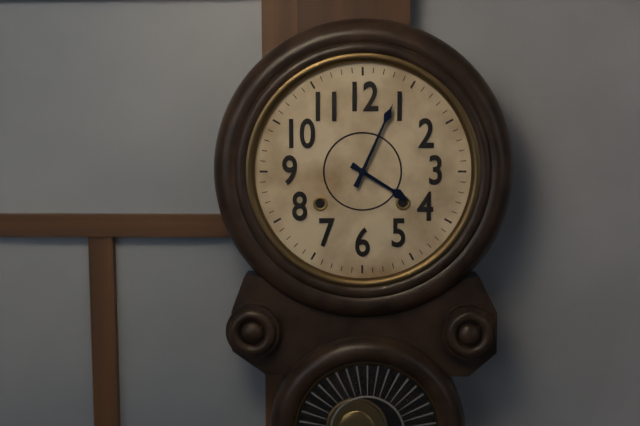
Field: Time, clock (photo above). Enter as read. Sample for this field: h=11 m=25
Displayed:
h=4 m=4
